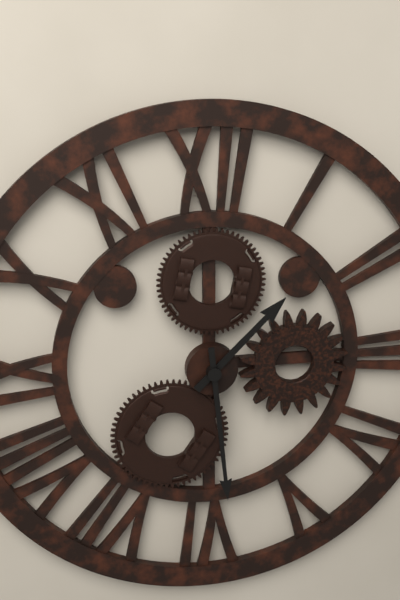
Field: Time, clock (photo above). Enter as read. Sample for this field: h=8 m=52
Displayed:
h=1 m=29
